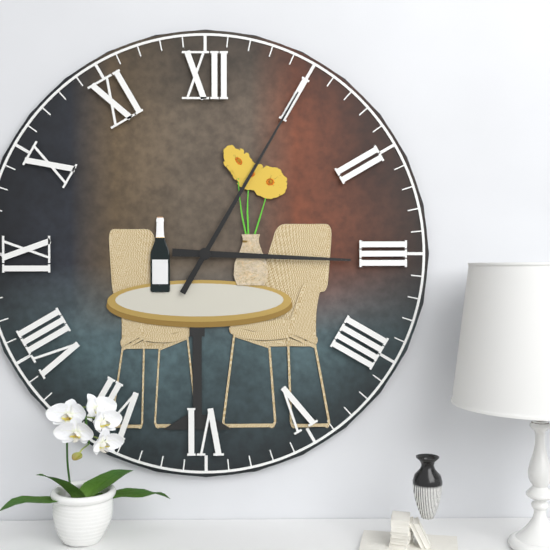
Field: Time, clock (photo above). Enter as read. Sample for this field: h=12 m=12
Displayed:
h=3 m=5
